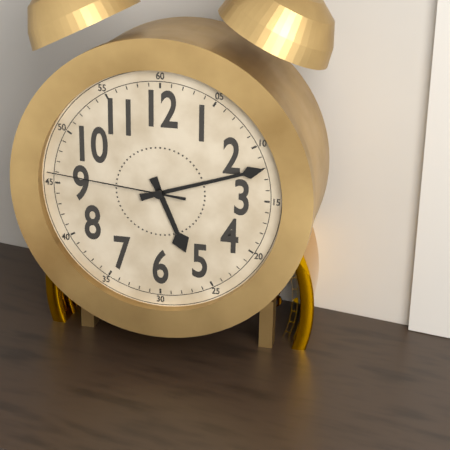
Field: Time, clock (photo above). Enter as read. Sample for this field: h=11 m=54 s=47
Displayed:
h=5 m=12 s=46
